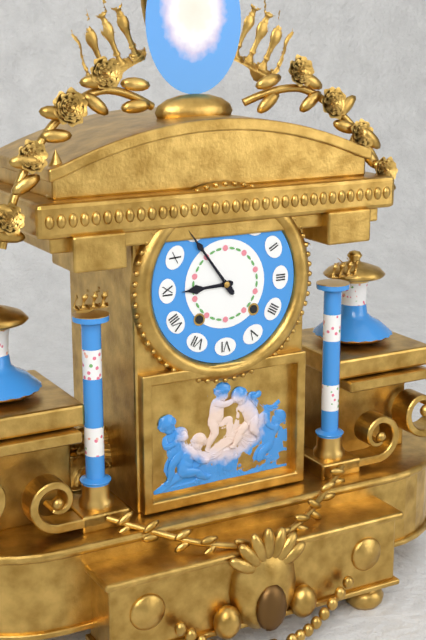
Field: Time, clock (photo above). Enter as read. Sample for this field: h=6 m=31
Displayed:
h=8 m=54
